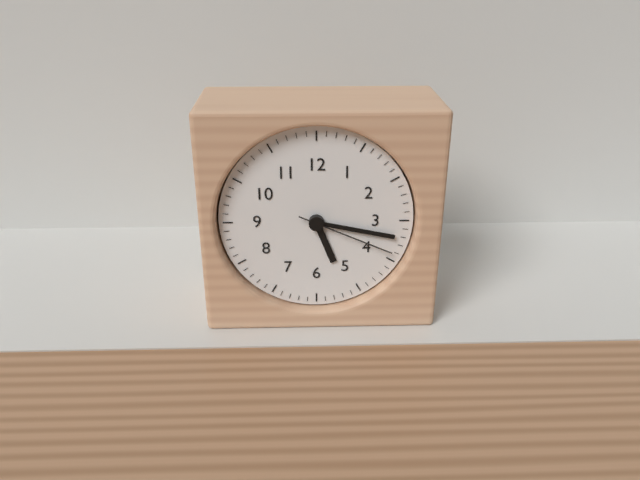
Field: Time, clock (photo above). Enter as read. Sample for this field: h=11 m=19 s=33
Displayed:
h=5 m=17 s=19
